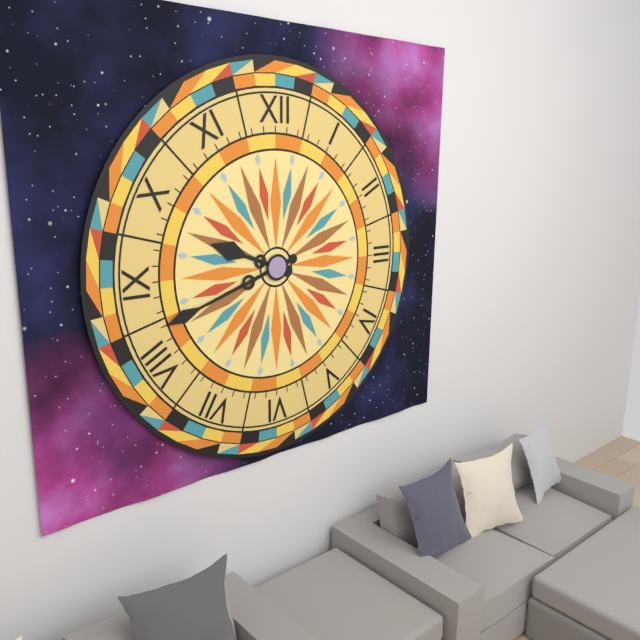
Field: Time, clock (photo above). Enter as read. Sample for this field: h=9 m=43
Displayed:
h=9 m=42
